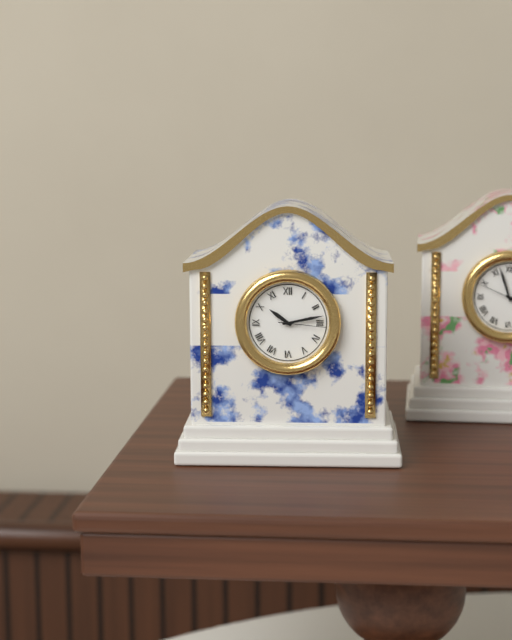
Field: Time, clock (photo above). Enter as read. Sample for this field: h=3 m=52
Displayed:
h=10 m=13
